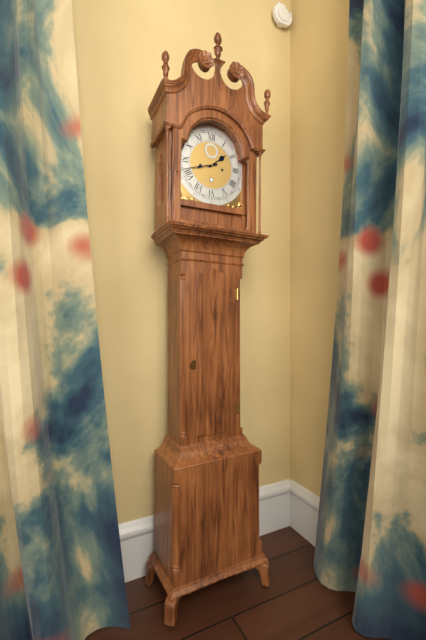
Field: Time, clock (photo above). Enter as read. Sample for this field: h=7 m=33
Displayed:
h=1 m=42
